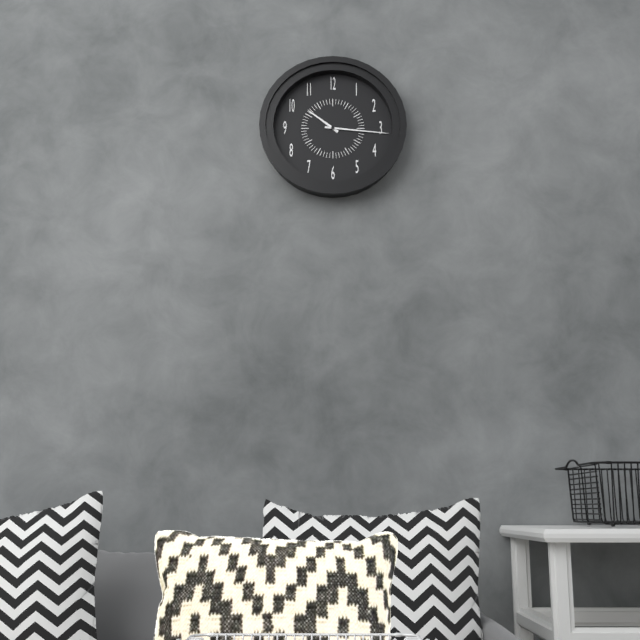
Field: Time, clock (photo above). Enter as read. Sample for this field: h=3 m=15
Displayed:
h=10 m=16
